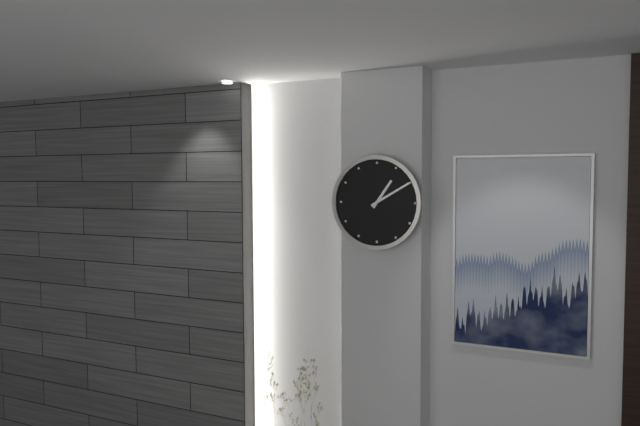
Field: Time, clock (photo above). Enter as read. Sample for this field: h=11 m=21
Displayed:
h=1 m=10
